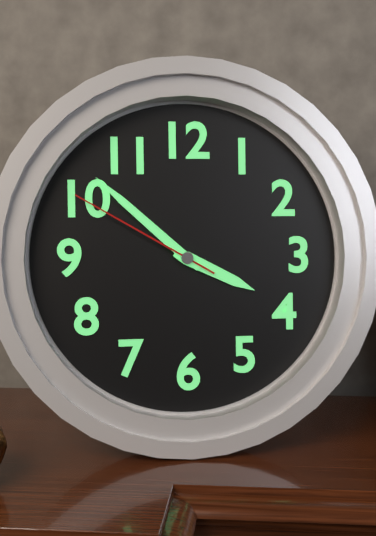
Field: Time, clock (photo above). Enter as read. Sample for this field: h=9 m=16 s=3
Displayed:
h=3 m=52 s=50
